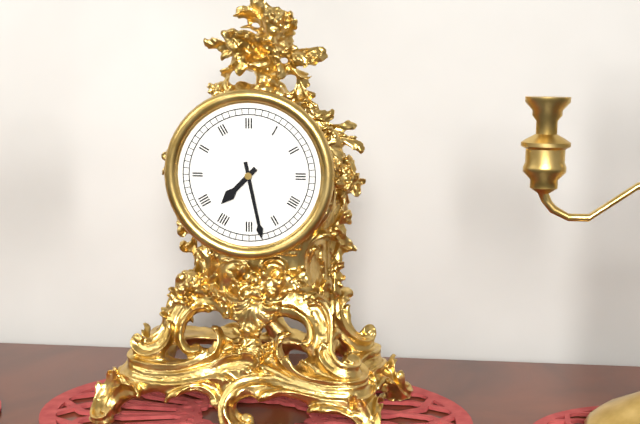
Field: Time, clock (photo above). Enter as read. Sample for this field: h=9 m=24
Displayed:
h=7 m=28
